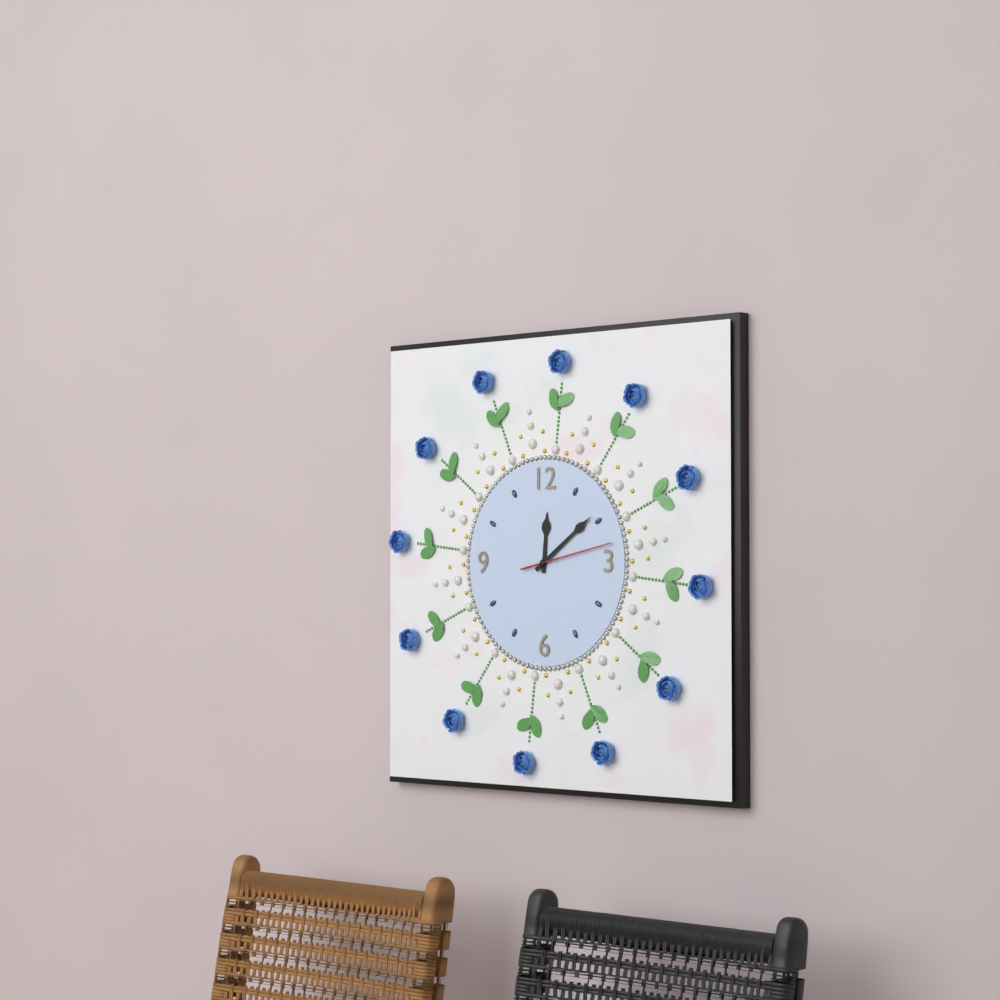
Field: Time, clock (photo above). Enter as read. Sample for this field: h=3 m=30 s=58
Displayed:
h=12 m=9 s=13
